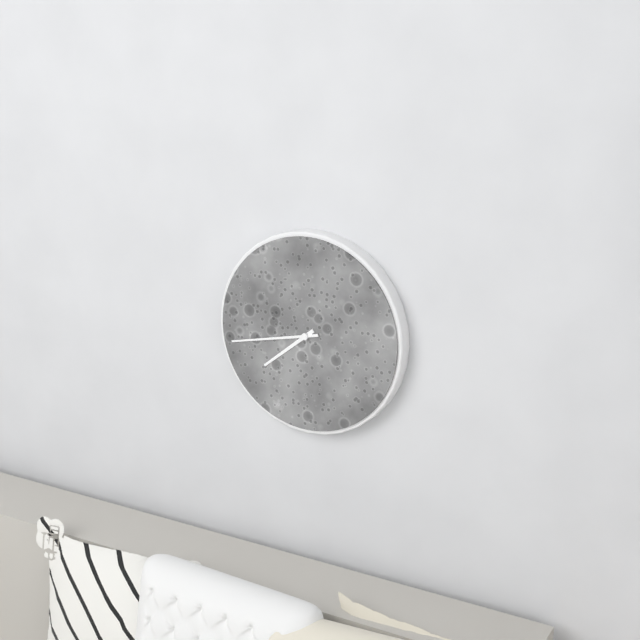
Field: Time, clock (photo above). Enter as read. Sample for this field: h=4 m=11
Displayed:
h=7 m=43
